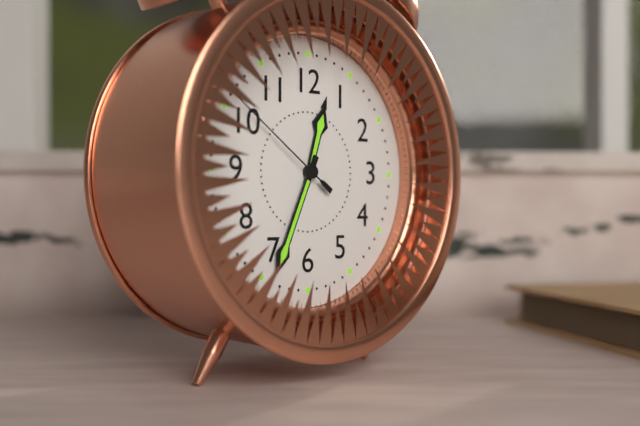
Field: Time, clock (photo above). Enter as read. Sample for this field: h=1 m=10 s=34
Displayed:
h=12 m=34 s=51
